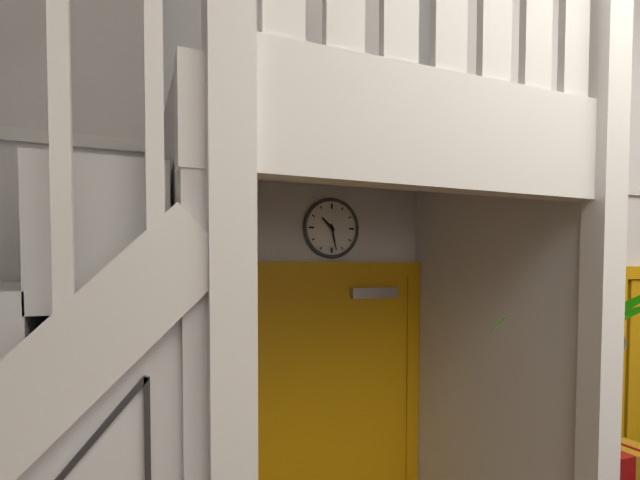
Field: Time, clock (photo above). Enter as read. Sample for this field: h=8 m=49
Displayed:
h=10 m=28
